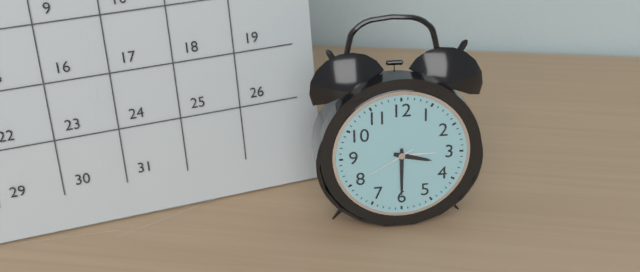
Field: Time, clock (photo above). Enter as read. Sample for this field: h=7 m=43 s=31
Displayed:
h=3 m=30 s=40
